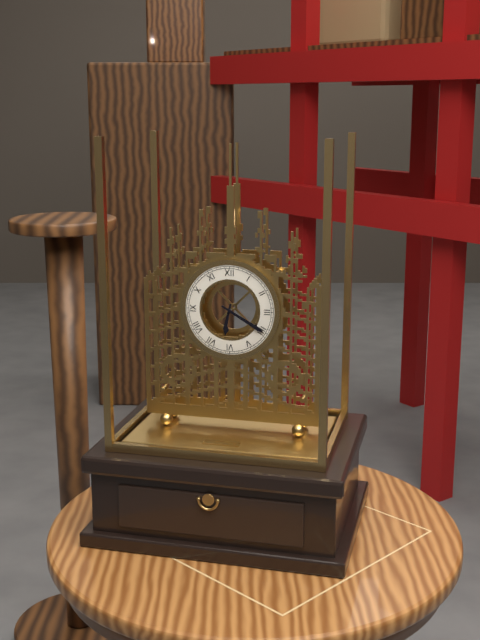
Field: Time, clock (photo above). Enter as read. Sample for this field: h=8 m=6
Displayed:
h=6 m=20
